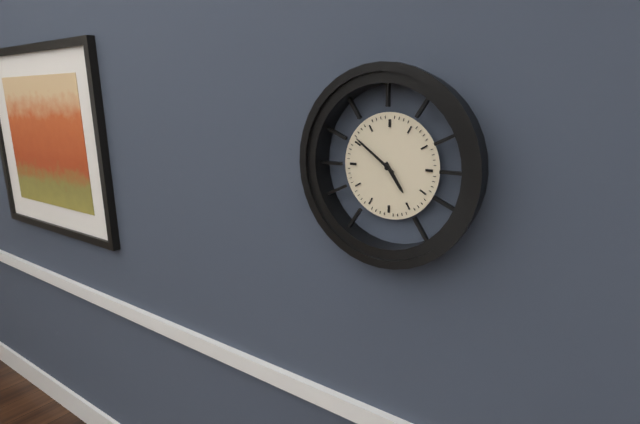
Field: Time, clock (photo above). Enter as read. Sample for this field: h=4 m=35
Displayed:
h=4 m=51
